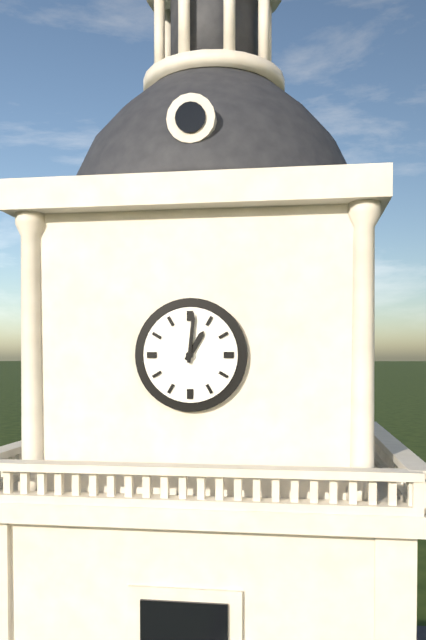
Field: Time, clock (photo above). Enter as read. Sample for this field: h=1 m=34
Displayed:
h=1 m=1
